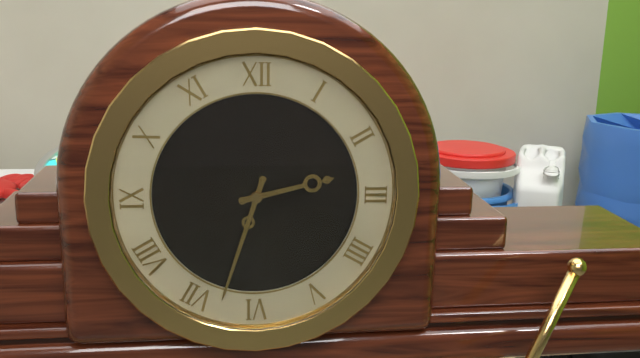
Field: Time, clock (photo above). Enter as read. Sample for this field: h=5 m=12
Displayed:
h=2 m=33
